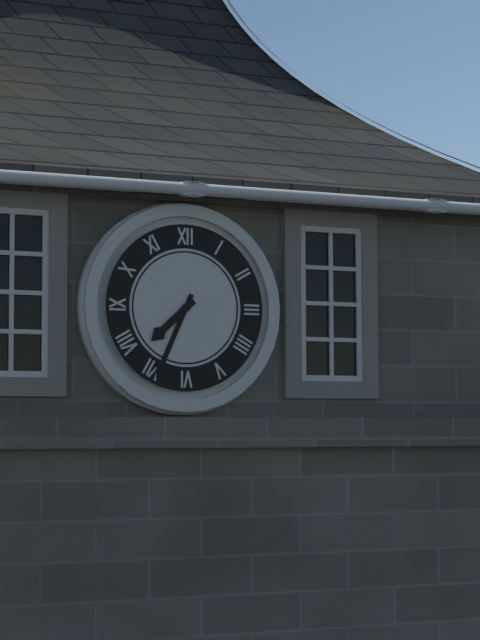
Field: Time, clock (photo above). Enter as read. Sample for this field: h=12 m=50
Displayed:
h=7 m=34
